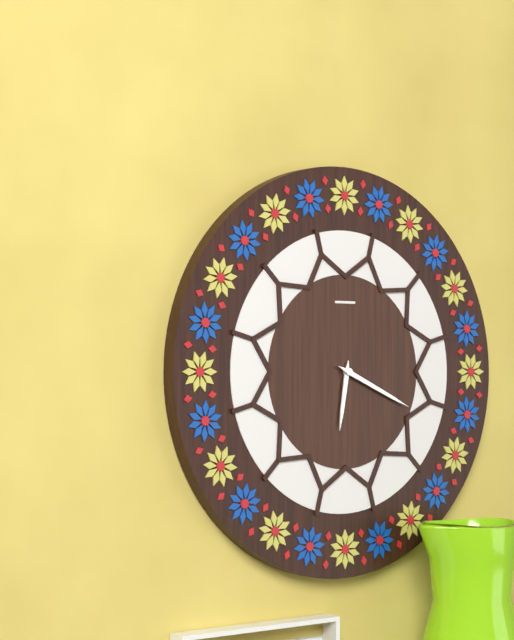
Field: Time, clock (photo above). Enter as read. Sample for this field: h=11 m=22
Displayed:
h=6 m=19
